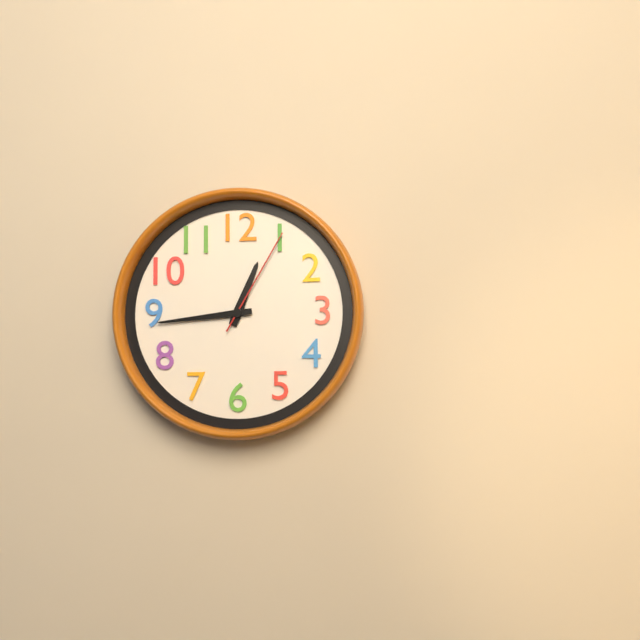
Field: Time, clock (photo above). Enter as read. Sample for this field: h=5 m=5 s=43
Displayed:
h=12 m=44 s=5
